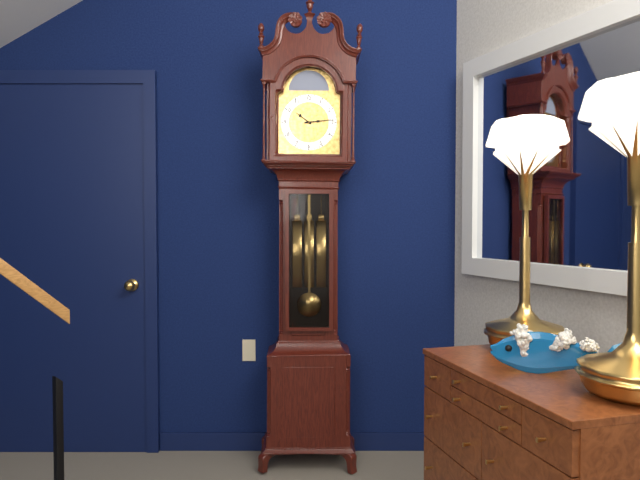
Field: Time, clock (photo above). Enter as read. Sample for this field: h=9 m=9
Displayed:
h=10 m=14
